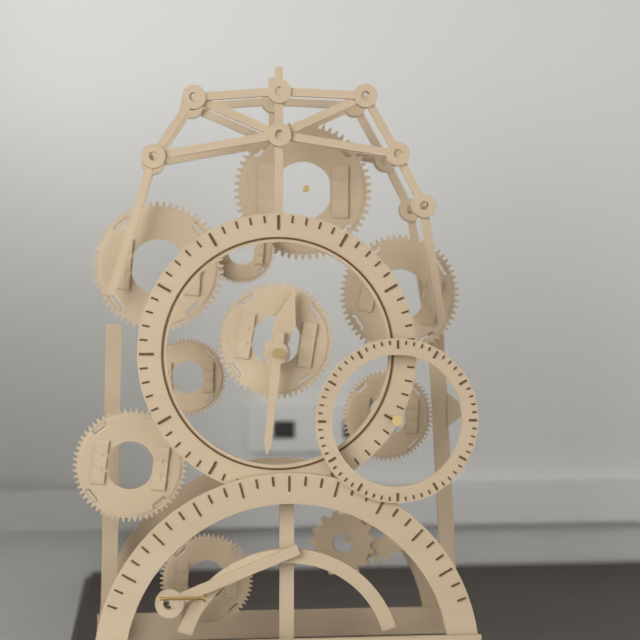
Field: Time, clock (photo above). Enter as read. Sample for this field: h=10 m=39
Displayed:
h=12 m=31
